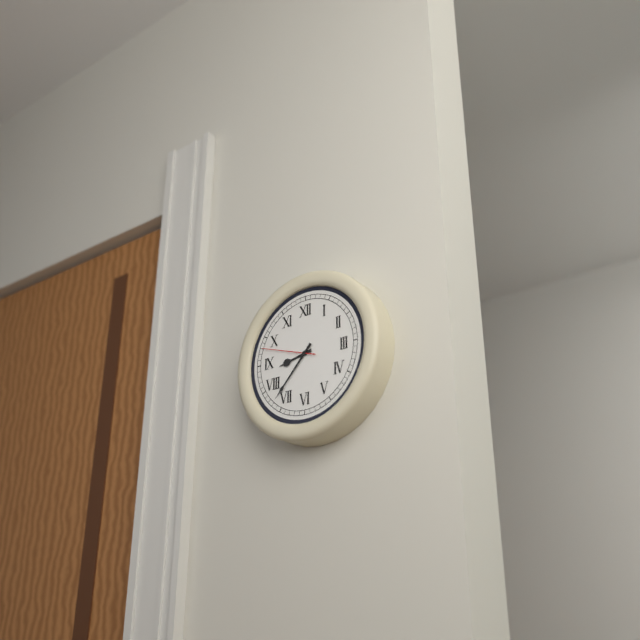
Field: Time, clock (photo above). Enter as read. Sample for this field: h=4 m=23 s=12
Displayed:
h=8 m=37 s=48
